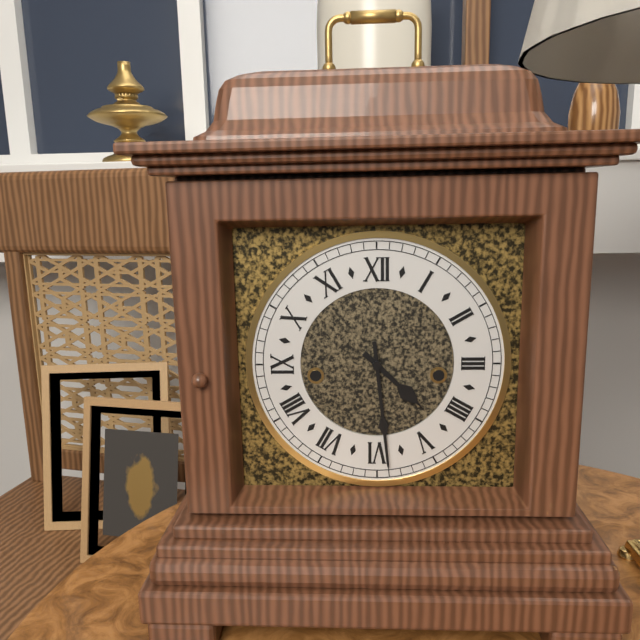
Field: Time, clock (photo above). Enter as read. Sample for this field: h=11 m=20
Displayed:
h=4 m=29
